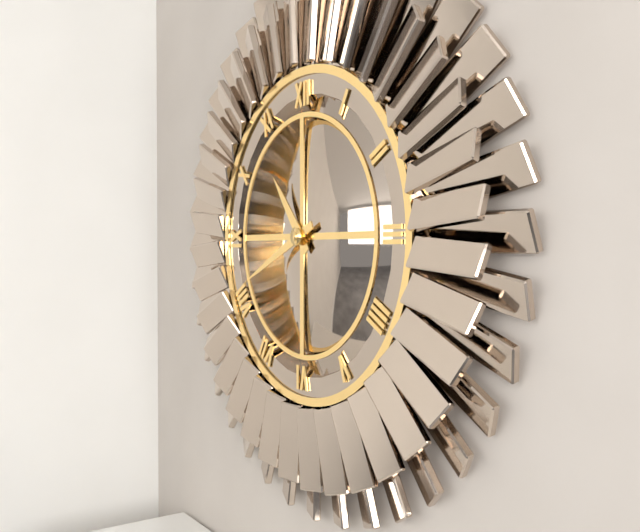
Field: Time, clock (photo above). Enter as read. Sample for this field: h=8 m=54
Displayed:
h=10 m=41
